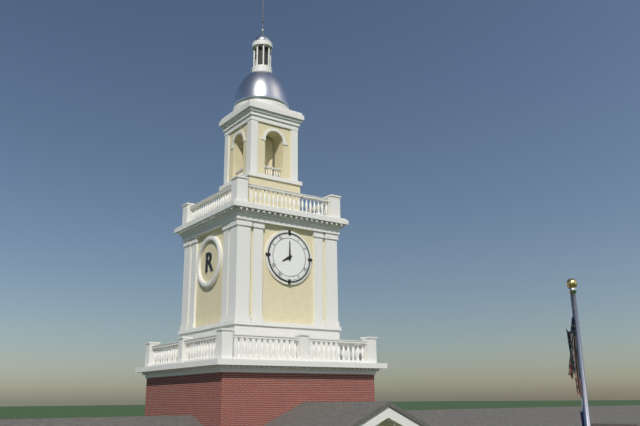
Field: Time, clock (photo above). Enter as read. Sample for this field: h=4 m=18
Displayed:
h=8 m=0
